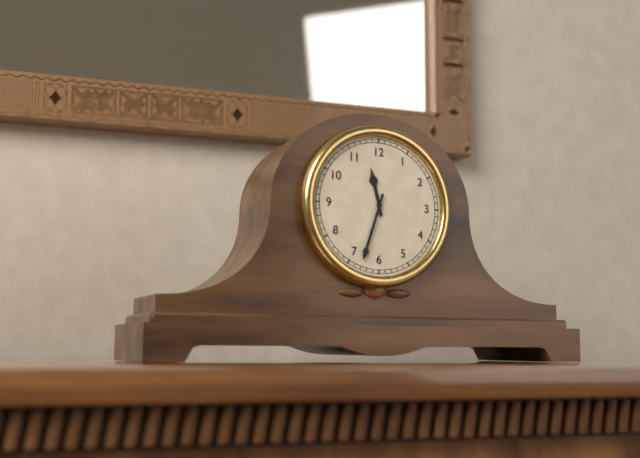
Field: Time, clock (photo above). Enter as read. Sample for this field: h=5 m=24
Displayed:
h=11 m=33
